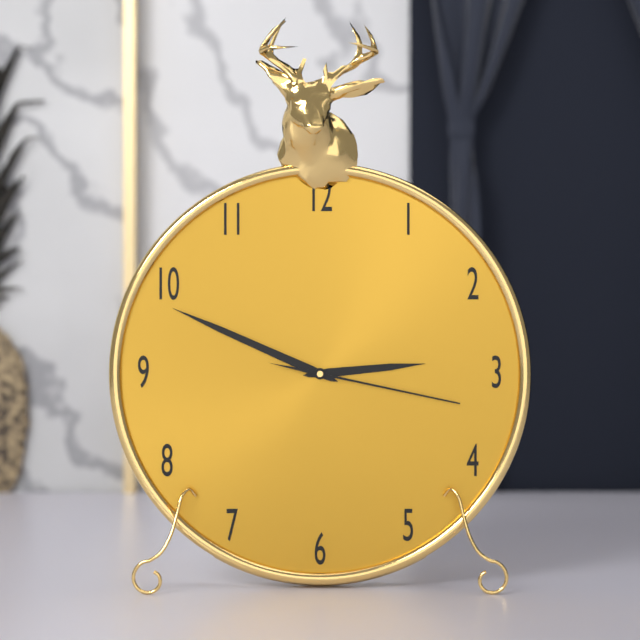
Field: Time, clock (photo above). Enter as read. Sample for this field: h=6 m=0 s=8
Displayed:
h=2 m=49 s=17
